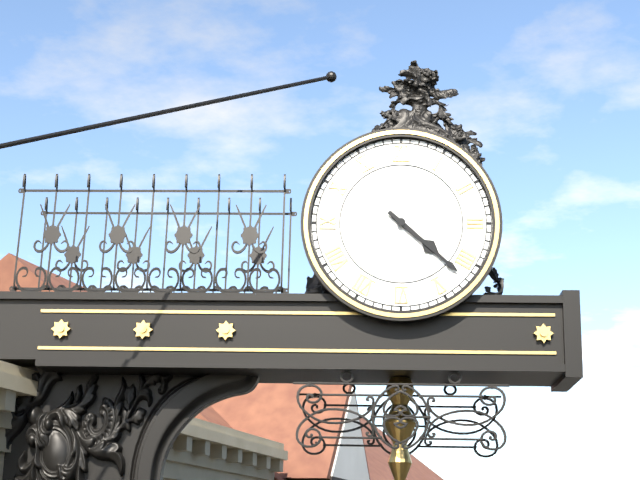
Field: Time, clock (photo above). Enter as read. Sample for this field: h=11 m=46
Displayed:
h=4 m=22
